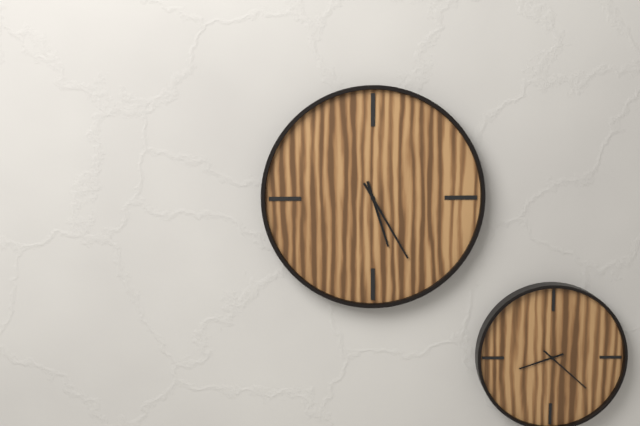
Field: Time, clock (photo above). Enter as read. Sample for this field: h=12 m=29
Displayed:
h=5 m=25
